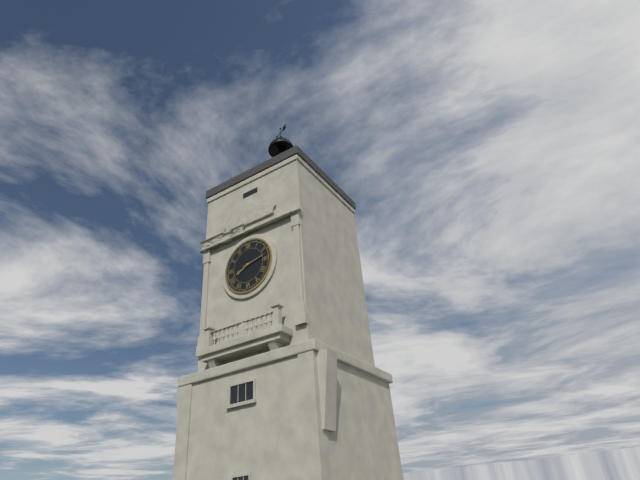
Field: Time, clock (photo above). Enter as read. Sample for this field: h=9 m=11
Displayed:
h=8 m=13
